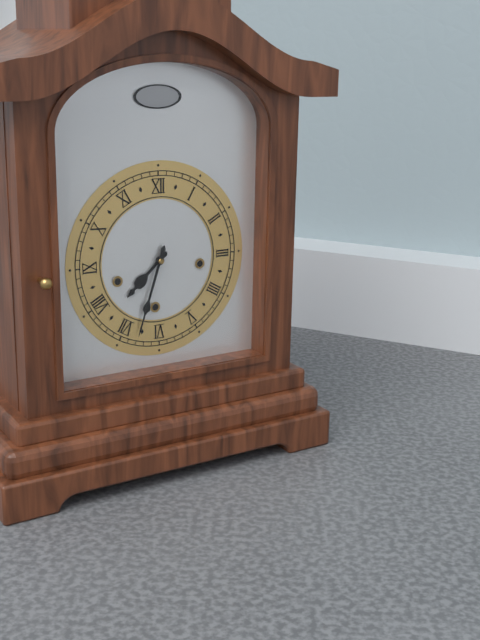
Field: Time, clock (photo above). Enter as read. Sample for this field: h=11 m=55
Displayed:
h=7 m=33
